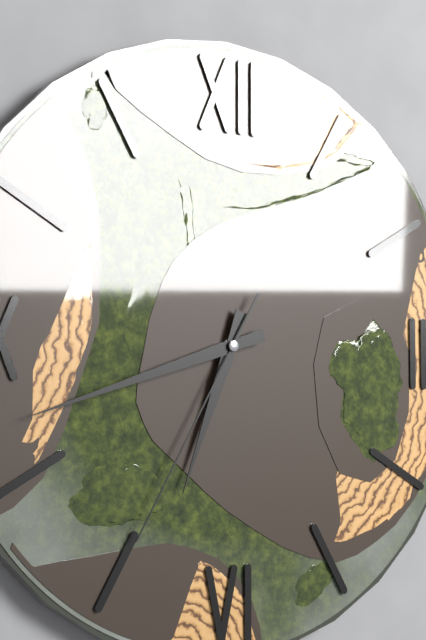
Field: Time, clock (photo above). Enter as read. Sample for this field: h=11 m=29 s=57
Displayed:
h=6 m=42 s=35
